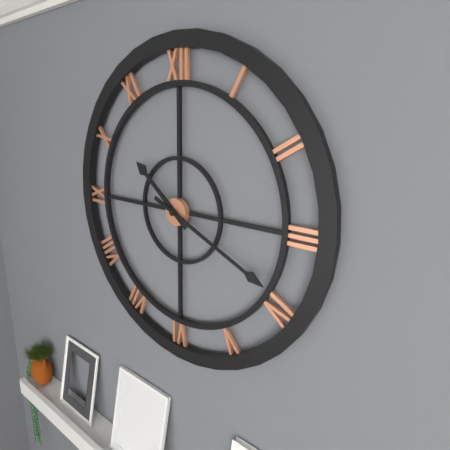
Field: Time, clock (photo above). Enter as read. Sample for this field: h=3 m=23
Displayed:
h=10 m=19
